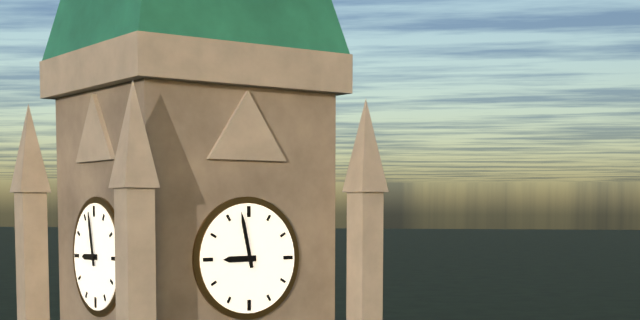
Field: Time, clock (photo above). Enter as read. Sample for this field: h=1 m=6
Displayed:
h=8 m=58
